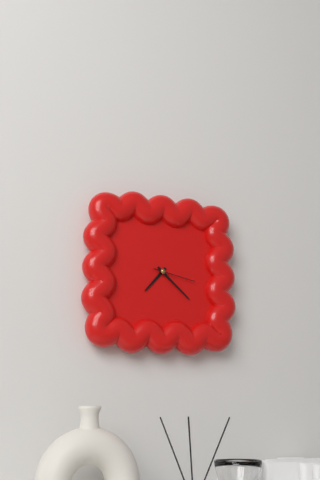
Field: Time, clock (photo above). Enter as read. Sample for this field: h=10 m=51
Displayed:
h=7 m=22
